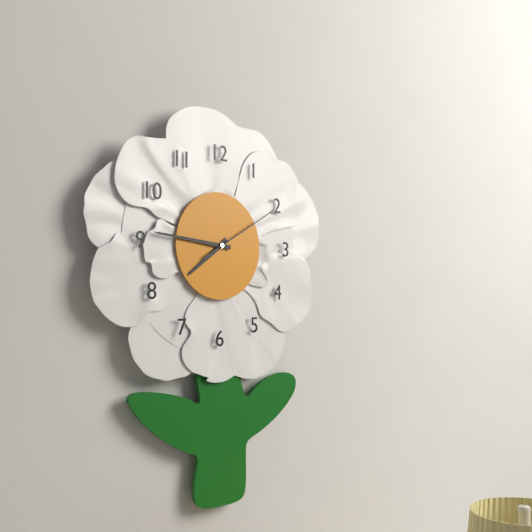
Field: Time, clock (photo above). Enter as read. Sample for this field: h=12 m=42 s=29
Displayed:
h=7 m=46 s=10
